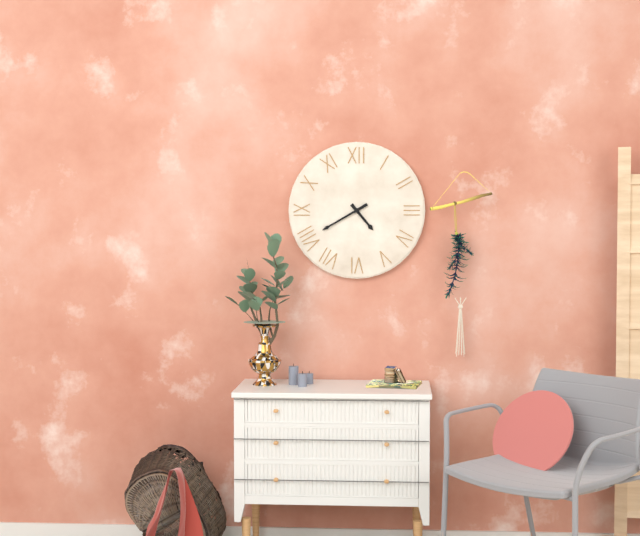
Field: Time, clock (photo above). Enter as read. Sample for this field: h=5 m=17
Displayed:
h=4 m=40
